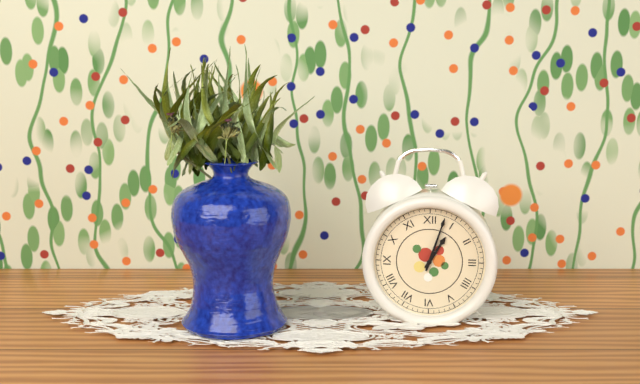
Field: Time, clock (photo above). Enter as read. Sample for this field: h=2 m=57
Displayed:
h=1 m=3
